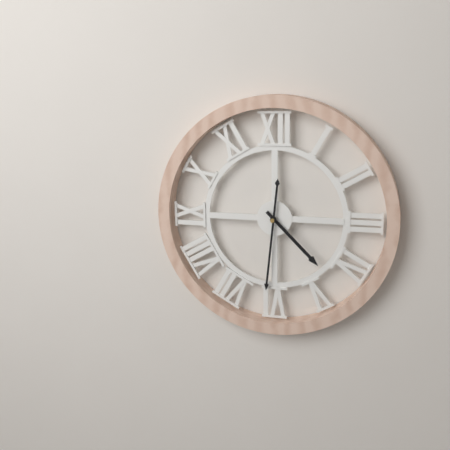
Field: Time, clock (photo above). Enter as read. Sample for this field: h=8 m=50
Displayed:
h=4 m=31
